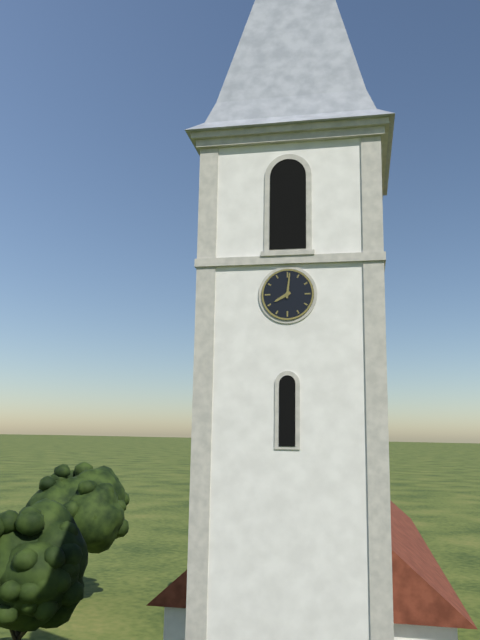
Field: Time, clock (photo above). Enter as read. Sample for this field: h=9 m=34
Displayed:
h=8 m=1
